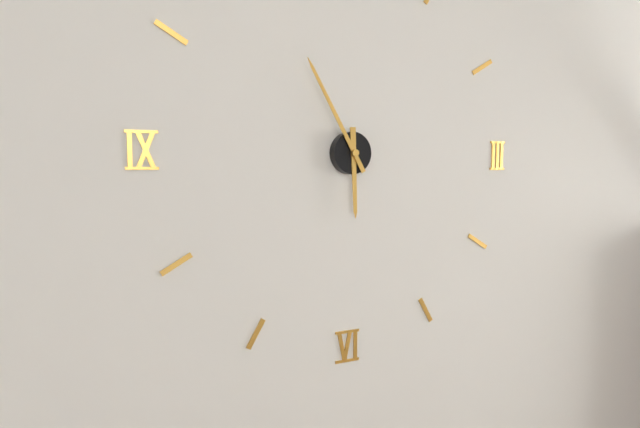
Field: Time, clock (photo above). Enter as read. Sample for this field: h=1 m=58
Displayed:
h=5 m=55
